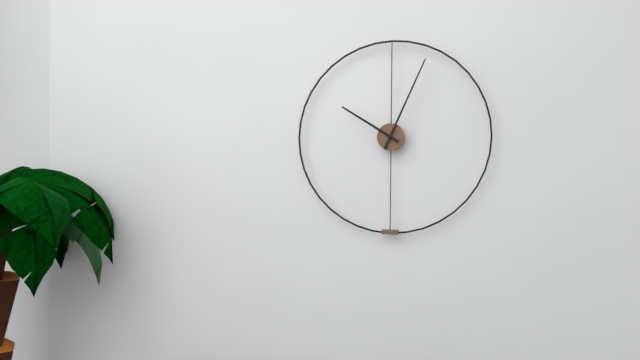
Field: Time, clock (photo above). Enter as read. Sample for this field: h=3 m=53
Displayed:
h=10 m=4
